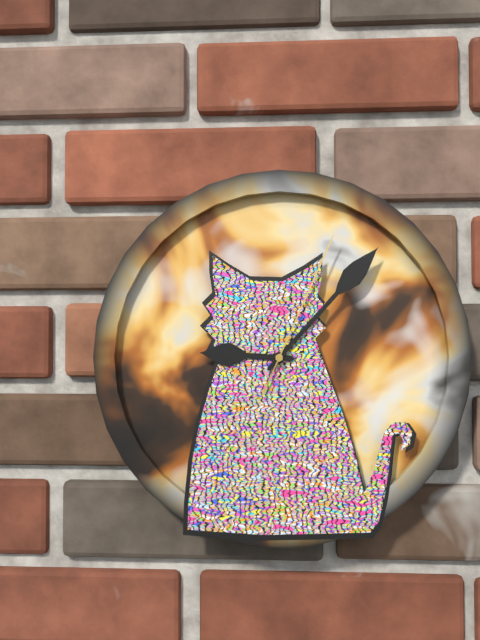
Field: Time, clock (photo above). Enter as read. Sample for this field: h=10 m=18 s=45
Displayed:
h=9 m=7 s=4
